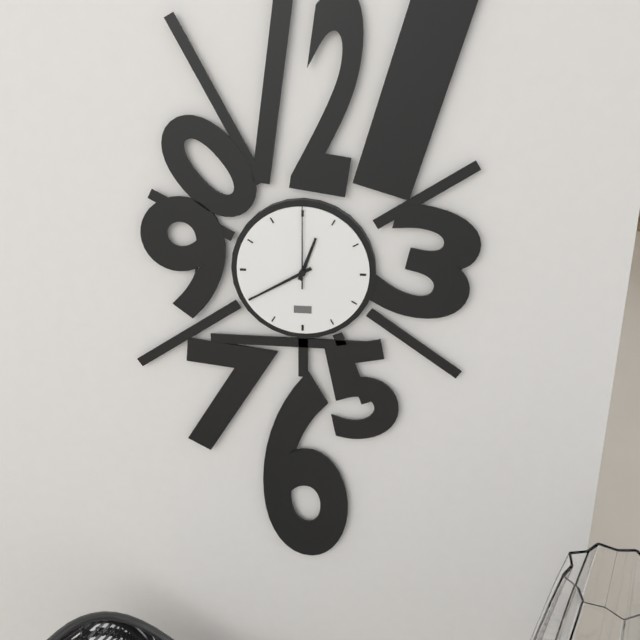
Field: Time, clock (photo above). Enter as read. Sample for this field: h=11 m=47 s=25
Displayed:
h=12 m=40 s=0
